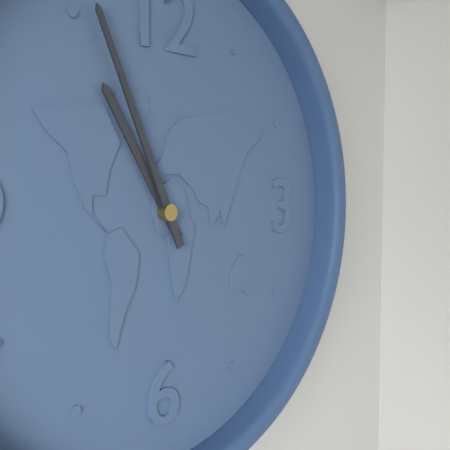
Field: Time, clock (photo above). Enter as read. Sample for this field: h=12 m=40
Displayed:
h=10 m=56
